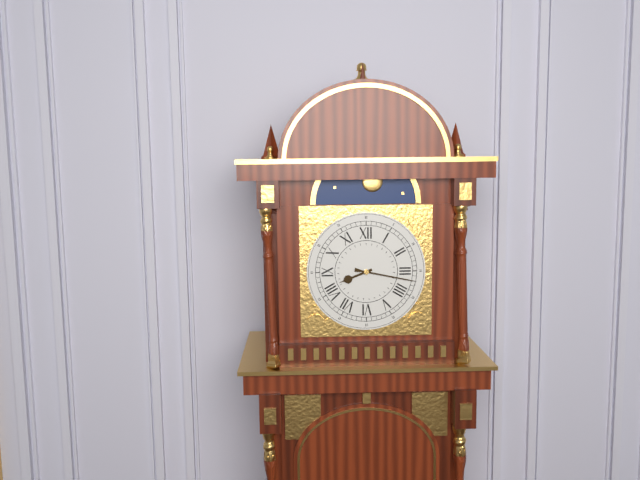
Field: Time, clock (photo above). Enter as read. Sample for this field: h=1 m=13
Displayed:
h=8 m=17
